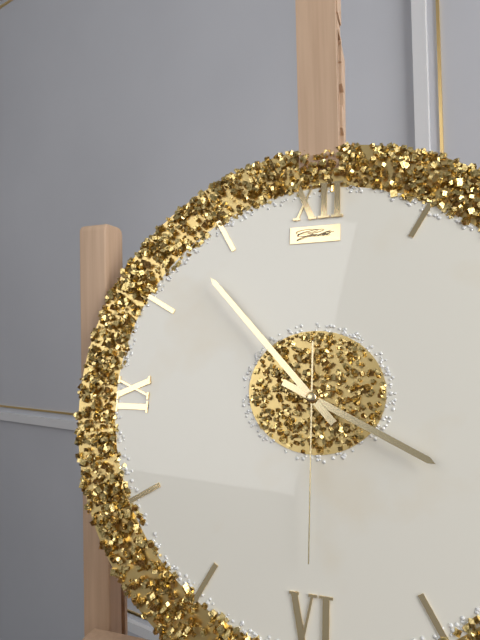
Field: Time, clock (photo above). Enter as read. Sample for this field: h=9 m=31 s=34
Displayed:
h=3 m=53 s=30
